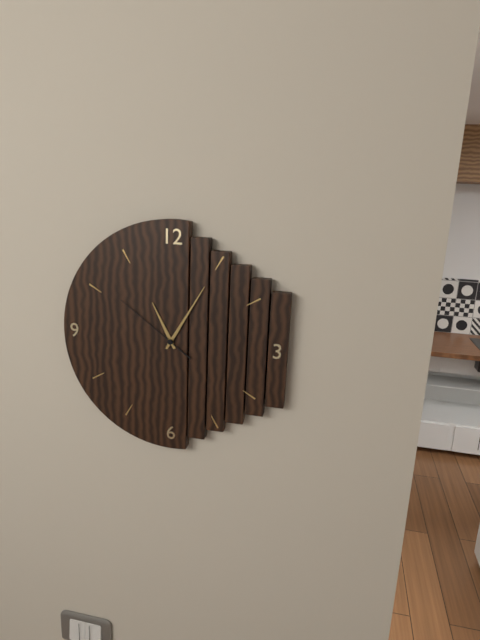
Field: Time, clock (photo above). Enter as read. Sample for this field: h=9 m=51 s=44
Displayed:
h=11 m=5 s=51
